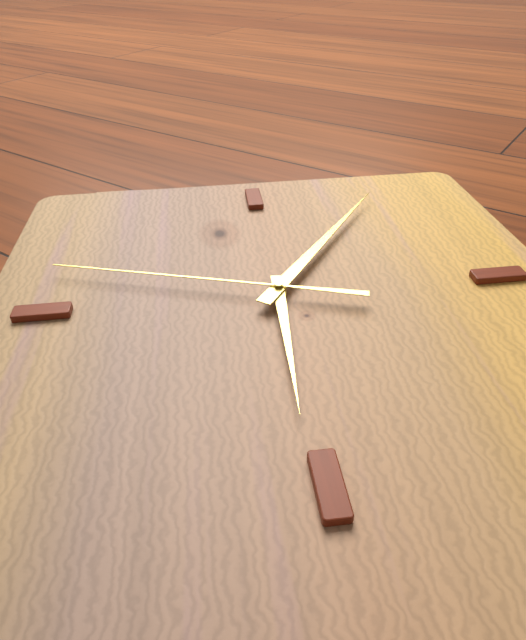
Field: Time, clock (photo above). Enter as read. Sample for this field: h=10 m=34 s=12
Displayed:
h=6 m=6 s=48
